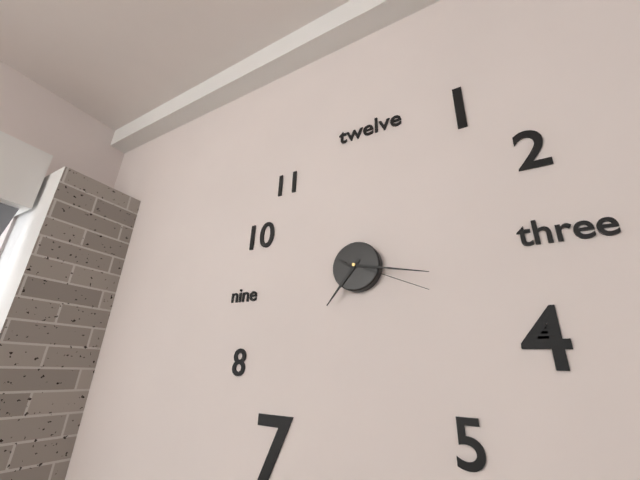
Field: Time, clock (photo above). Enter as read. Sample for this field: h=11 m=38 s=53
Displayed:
h=7 m=17 s=19
